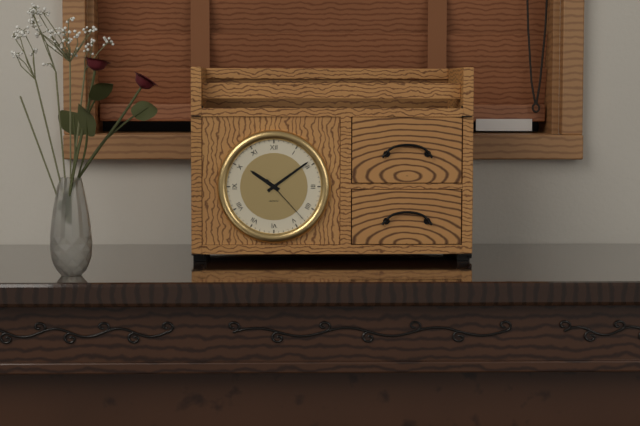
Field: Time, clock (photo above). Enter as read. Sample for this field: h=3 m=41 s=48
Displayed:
h=10 m=9 s=23
